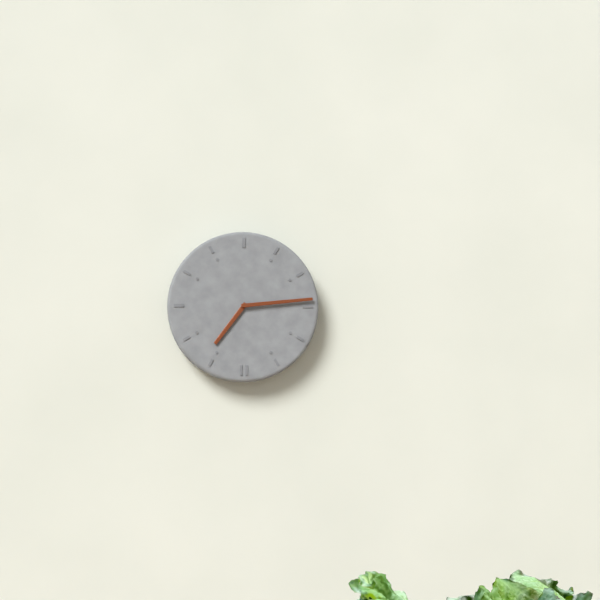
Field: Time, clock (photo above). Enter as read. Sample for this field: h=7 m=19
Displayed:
h=7 m=14
